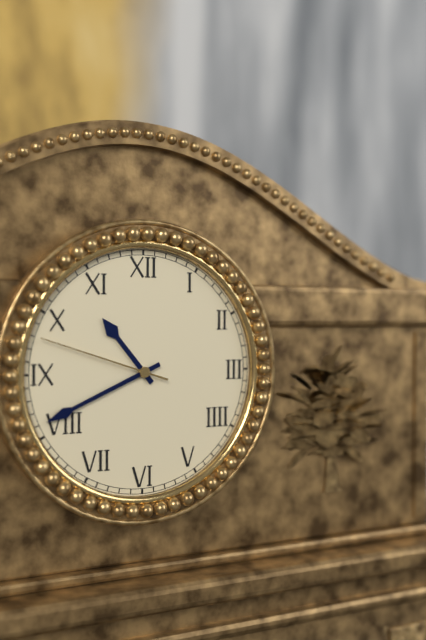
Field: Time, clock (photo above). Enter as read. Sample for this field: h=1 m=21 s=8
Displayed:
h=10 m=41 s=48
